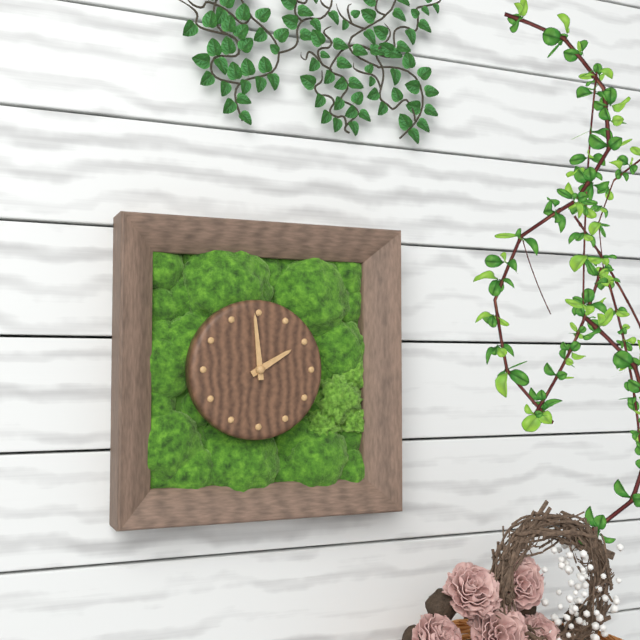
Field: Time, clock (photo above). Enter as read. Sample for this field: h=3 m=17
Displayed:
h=1 m=59
